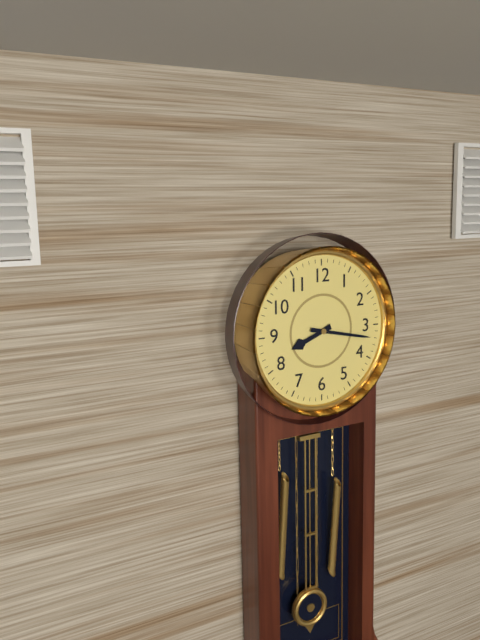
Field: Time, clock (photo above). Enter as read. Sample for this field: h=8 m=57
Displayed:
h=8 m=17
